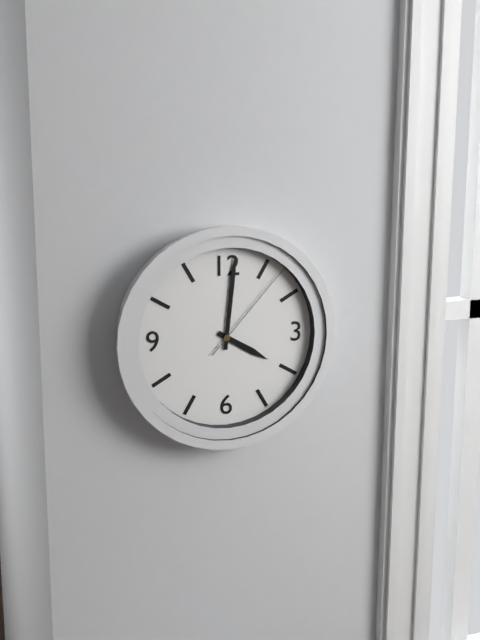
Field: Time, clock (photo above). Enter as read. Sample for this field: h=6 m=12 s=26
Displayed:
h=4 m=1 s=7
